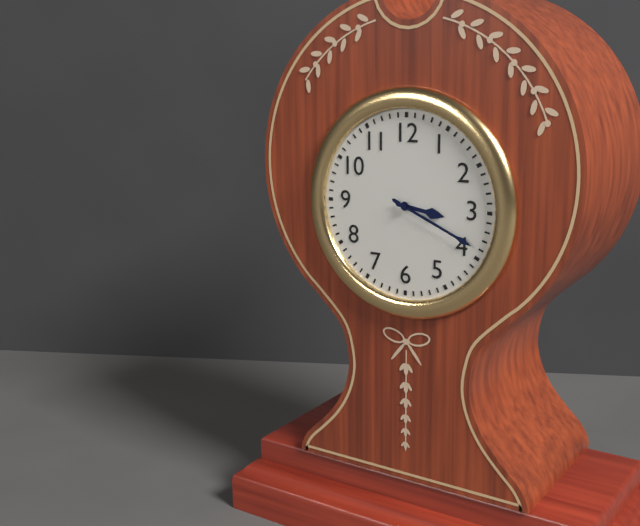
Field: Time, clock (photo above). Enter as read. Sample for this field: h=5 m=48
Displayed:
h=3 m=19
